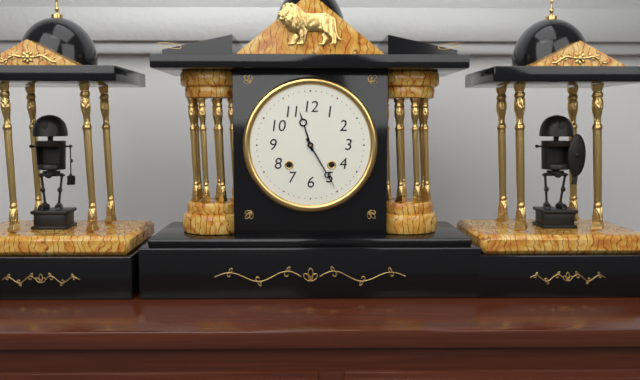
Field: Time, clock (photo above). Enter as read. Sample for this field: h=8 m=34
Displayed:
h=11 m=25
